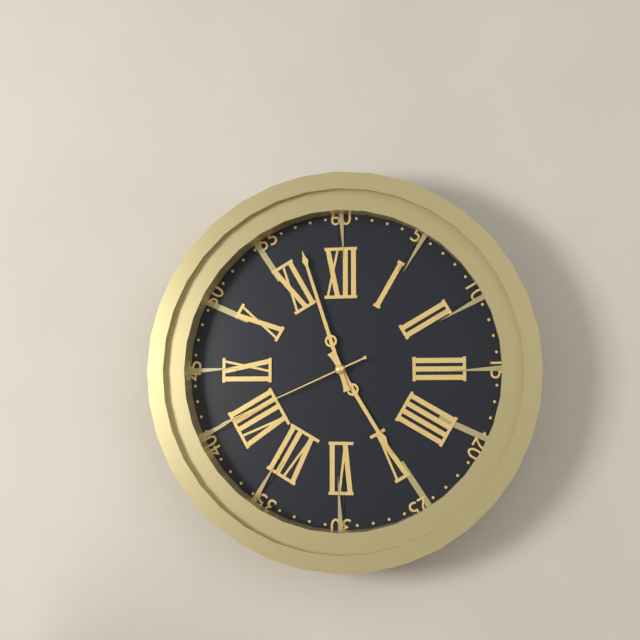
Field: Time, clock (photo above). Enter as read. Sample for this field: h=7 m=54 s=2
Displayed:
h=4 m=57 s=41
